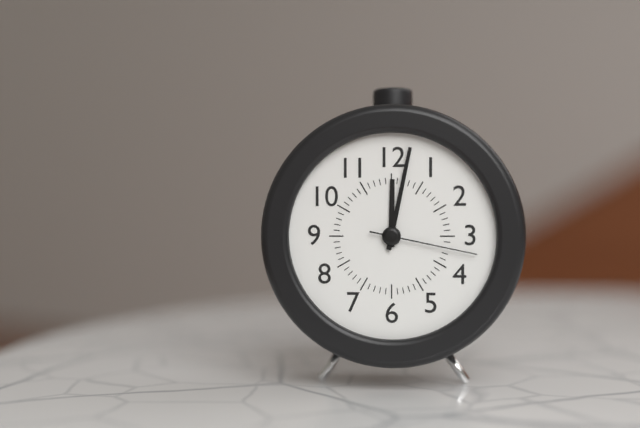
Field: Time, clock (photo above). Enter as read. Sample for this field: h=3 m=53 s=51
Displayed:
h=12 m=2 s=17
